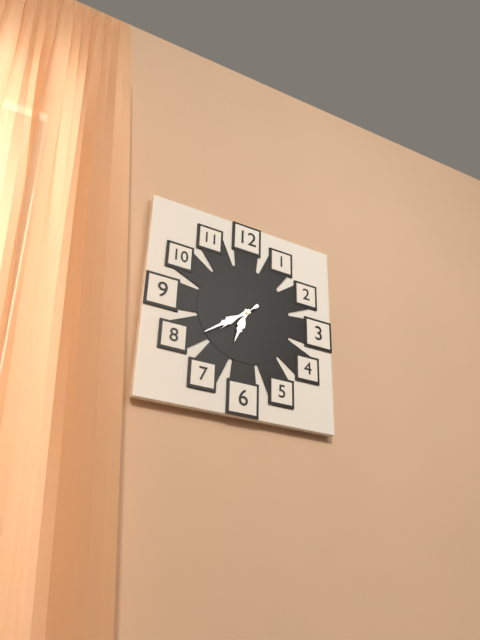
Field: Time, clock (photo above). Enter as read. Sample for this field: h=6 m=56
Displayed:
h=6 m=39
